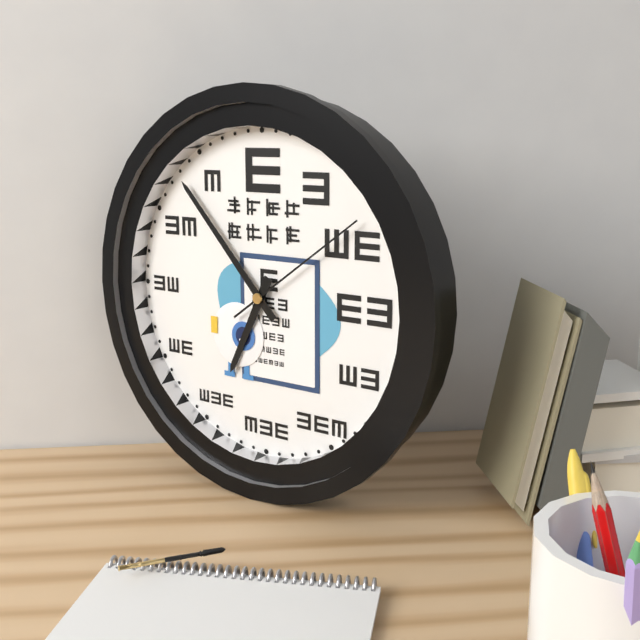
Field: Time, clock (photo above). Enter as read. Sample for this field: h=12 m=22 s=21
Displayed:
h=6 m=53 s=9
